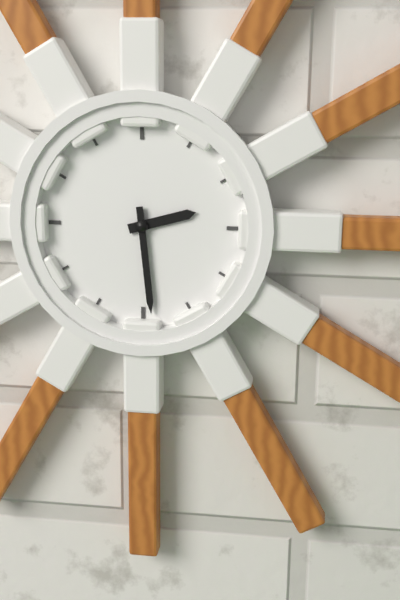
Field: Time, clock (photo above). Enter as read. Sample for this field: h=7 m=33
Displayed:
h=2 m=29
